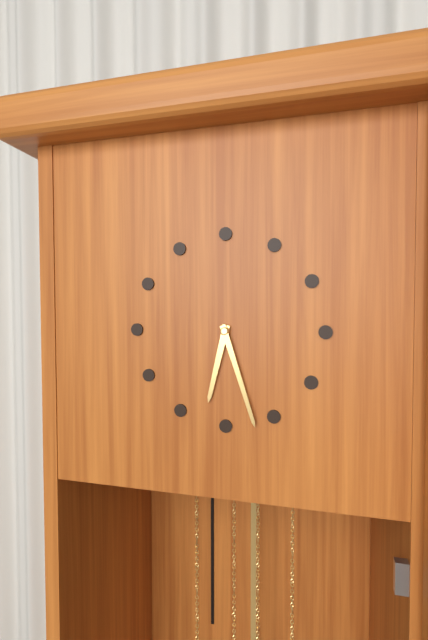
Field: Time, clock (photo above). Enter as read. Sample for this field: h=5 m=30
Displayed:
h=6 m=27
